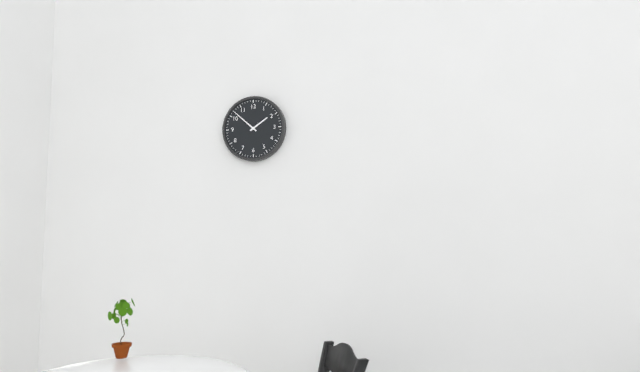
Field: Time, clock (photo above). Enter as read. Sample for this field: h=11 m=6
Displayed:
h=1 m=52
